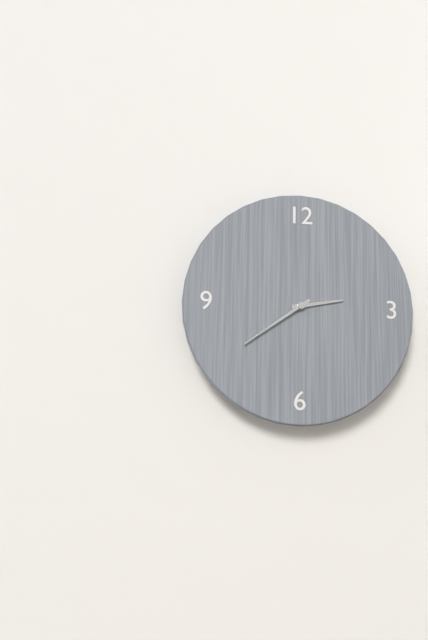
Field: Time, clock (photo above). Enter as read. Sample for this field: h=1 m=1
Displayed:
h=2 m=39
